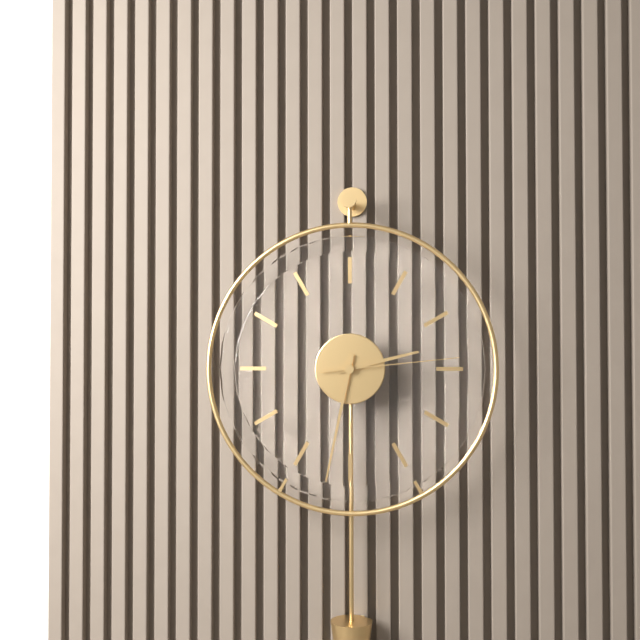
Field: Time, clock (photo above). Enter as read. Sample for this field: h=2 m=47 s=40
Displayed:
h=2 m=32 s=14
